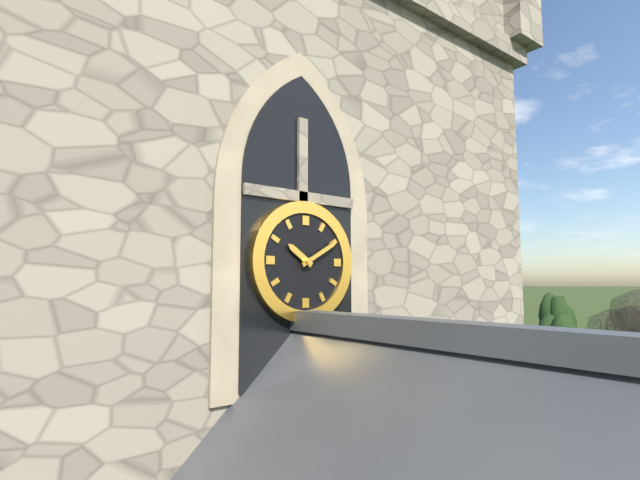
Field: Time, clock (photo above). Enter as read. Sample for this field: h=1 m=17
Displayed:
h=10 m=10
